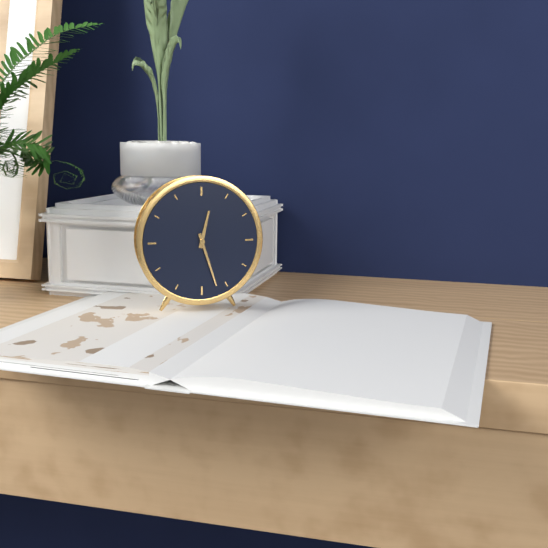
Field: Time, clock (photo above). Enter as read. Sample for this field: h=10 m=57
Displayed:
h=12 m=27
